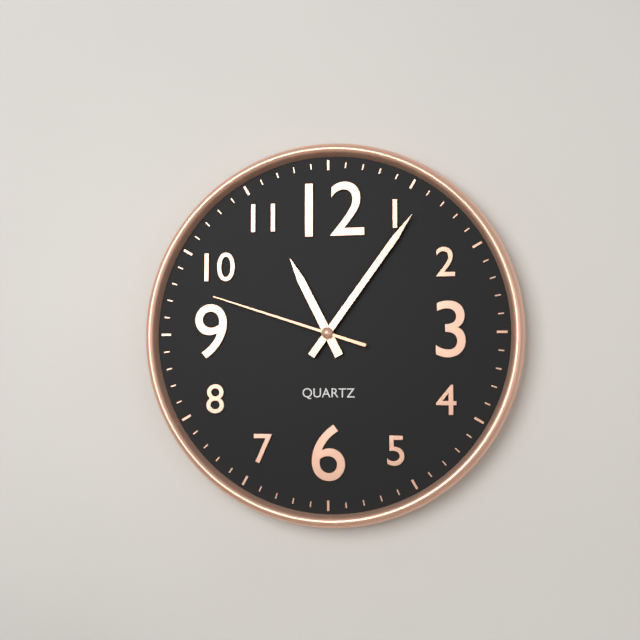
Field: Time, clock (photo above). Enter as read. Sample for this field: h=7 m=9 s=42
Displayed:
h=11 m=6 s=48
